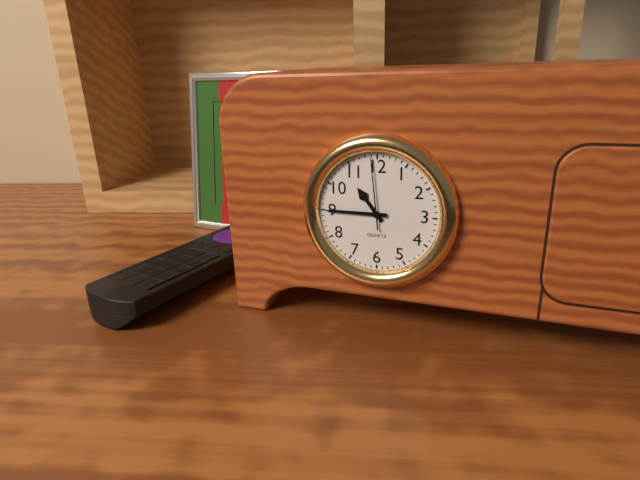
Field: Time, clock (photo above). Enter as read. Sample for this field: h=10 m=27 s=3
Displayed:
h=10 m=45 s=59
